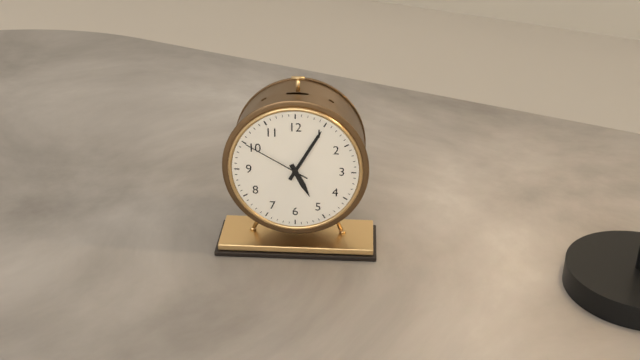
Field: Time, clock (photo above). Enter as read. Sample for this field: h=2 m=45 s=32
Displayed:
h=5 m=5 s=50
